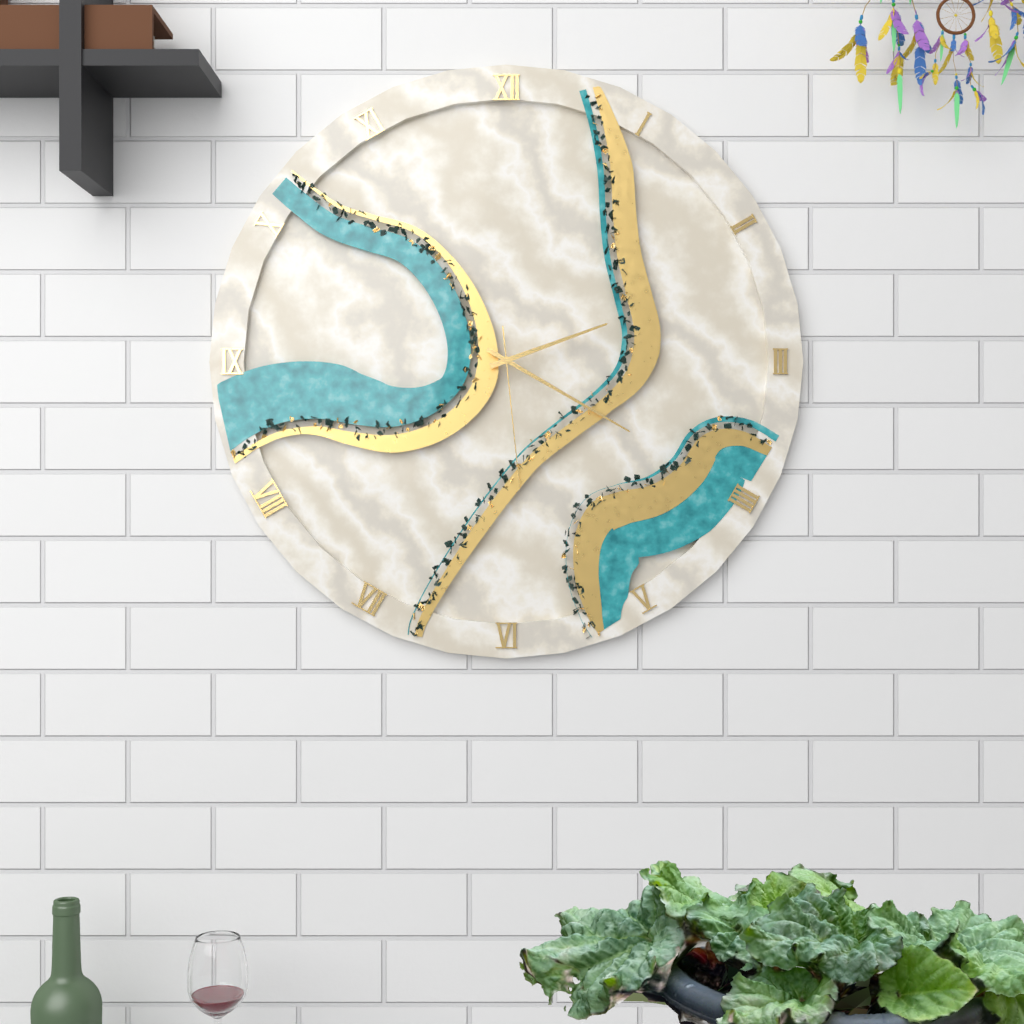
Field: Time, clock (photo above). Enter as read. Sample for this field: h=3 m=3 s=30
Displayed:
h=2 m=20 s=29
